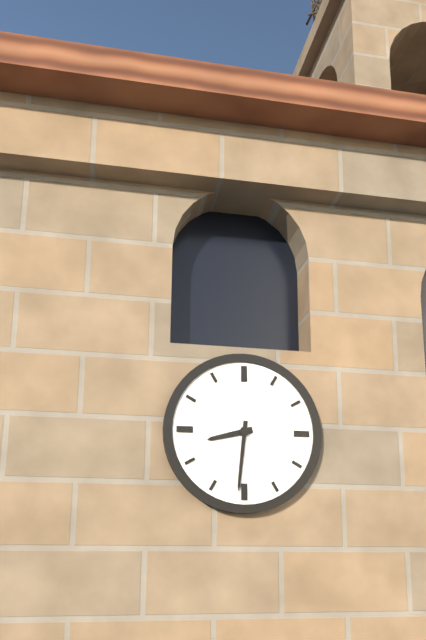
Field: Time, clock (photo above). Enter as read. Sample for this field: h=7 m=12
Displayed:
h=8 m=31
